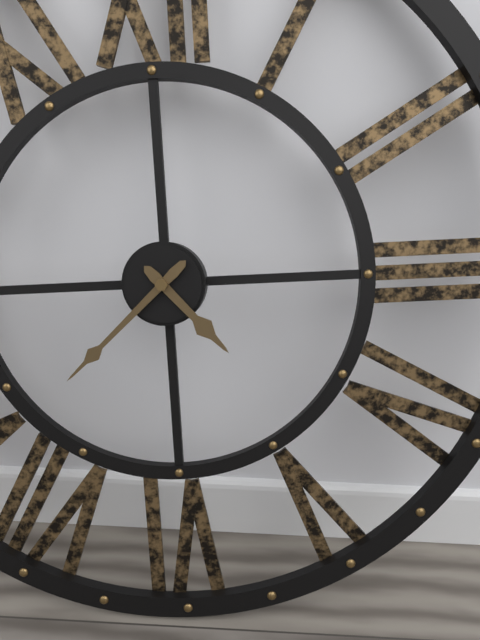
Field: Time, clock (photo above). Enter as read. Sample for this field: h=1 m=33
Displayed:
h=4 m=38
